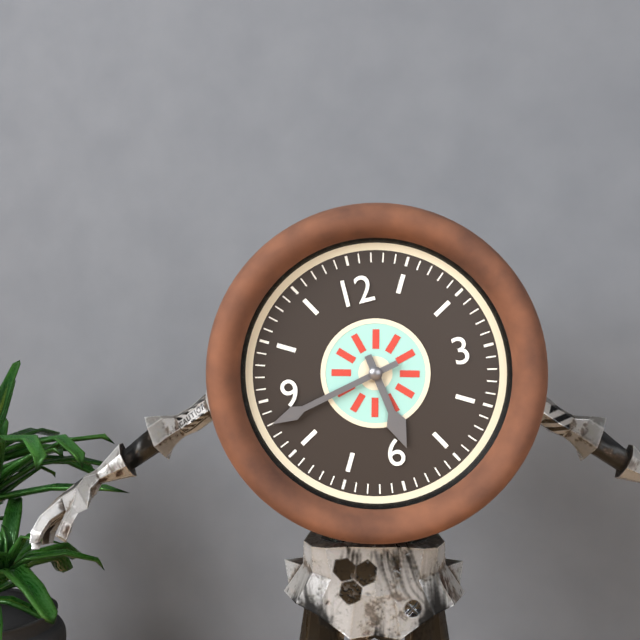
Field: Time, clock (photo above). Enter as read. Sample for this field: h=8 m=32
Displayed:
h=5 m=43
